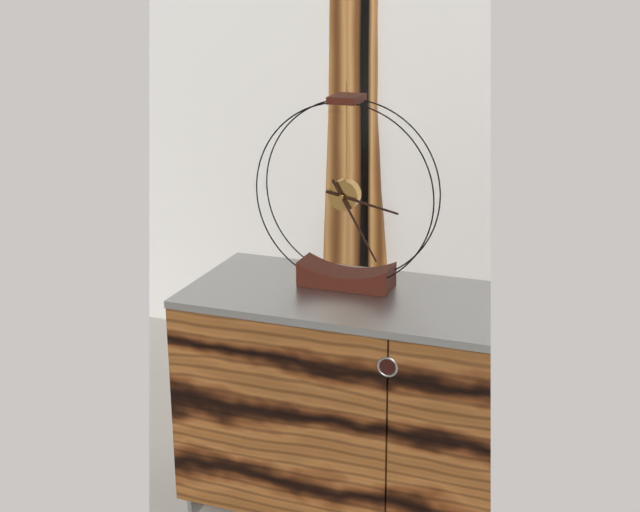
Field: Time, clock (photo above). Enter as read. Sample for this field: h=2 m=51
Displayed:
h=3 m=25
